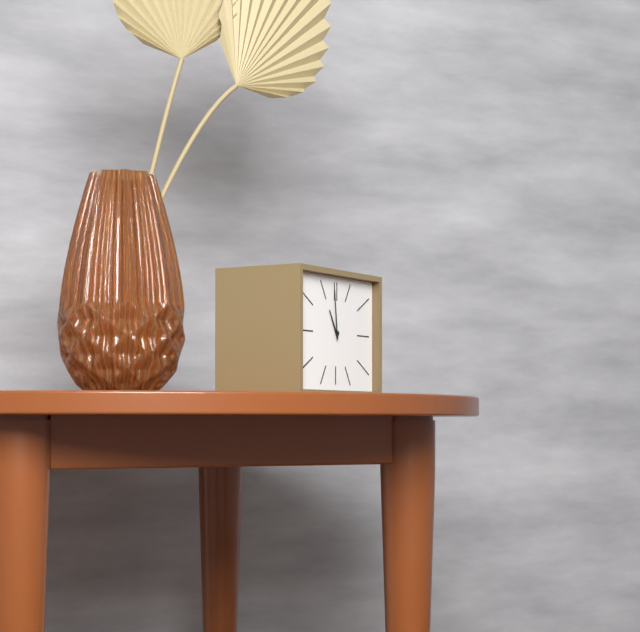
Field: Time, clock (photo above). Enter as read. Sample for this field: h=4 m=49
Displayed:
h=10 m=59
